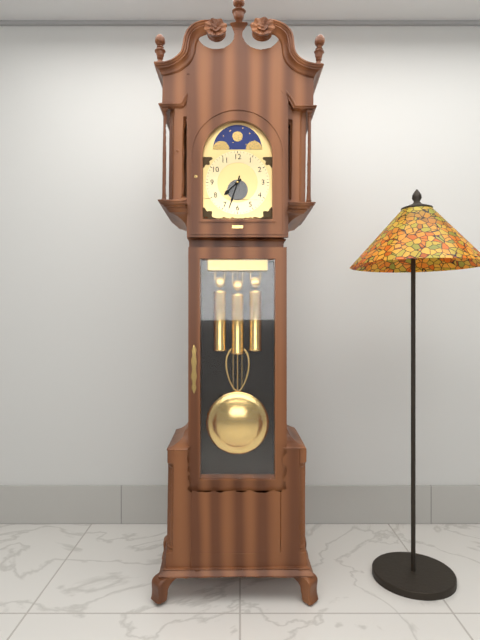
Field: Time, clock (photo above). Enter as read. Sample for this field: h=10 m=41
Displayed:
h=7 m=33
